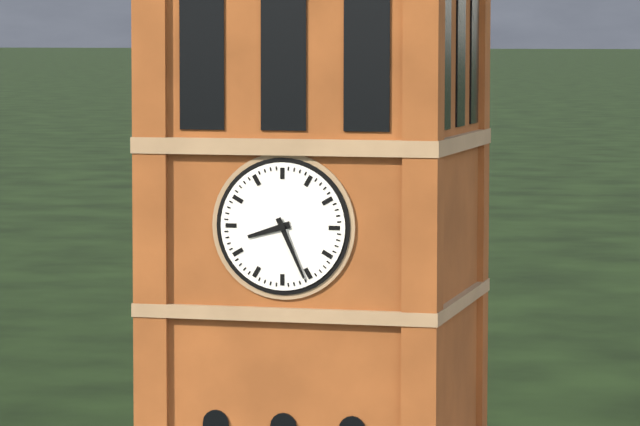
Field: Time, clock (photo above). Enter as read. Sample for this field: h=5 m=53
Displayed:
h=8 m=26
